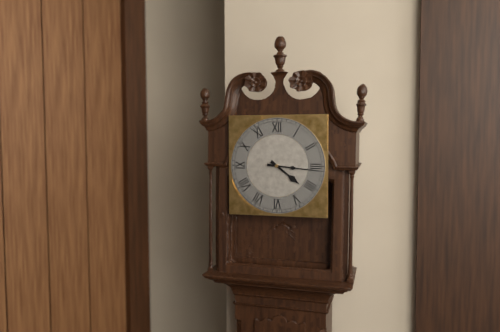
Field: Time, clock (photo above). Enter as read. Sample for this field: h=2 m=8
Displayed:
h=4 m=16
